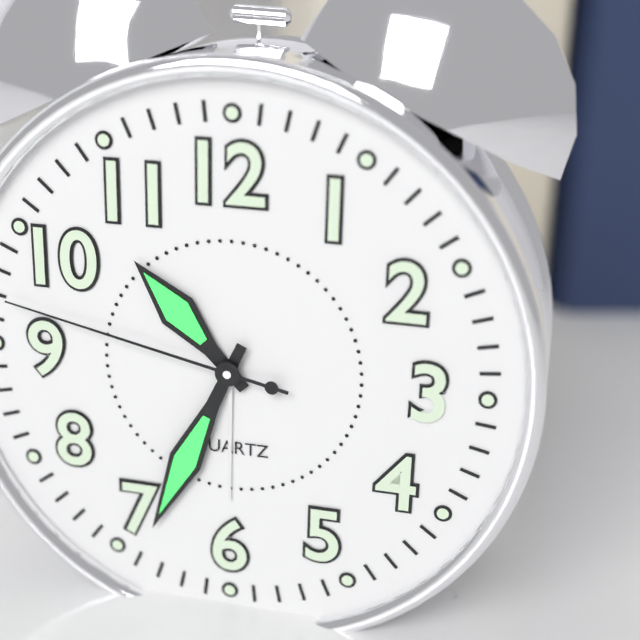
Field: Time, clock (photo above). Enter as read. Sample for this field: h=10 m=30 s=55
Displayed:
h=10 m=34 s=47
